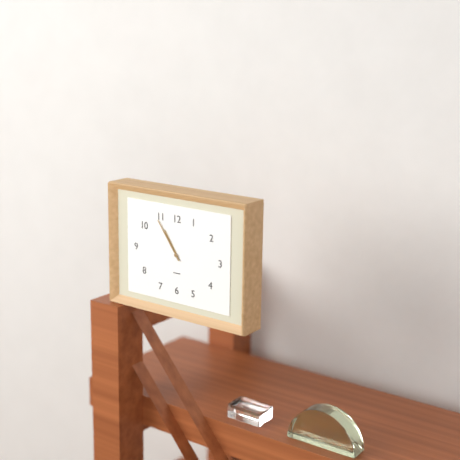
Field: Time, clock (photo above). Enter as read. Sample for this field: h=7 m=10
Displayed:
h=10 m=54
